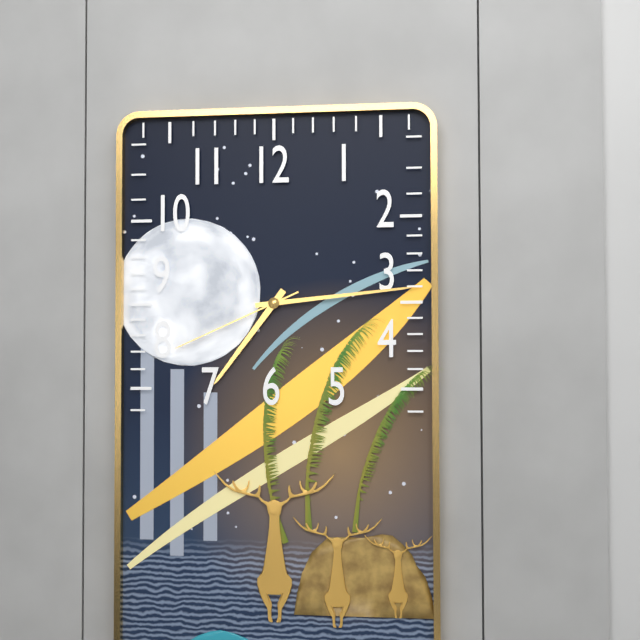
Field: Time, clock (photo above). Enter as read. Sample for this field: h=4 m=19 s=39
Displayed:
h=7 m=14 s=41
